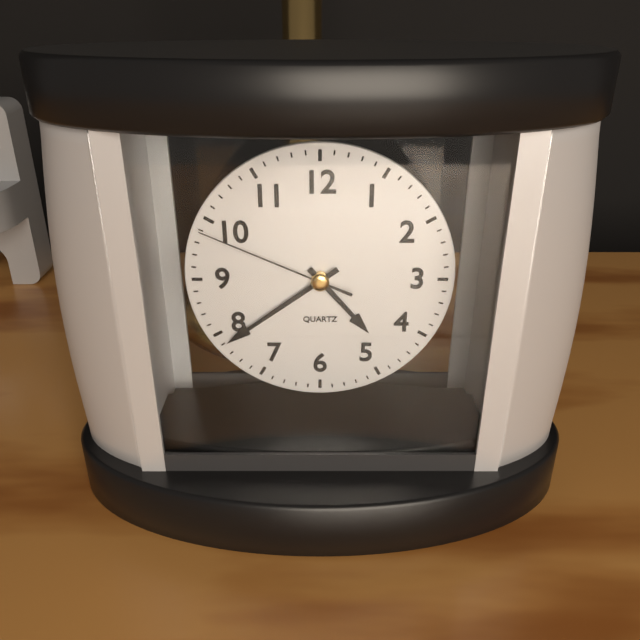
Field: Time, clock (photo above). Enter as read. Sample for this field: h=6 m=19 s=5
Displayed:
h=4 m=39 s=49
